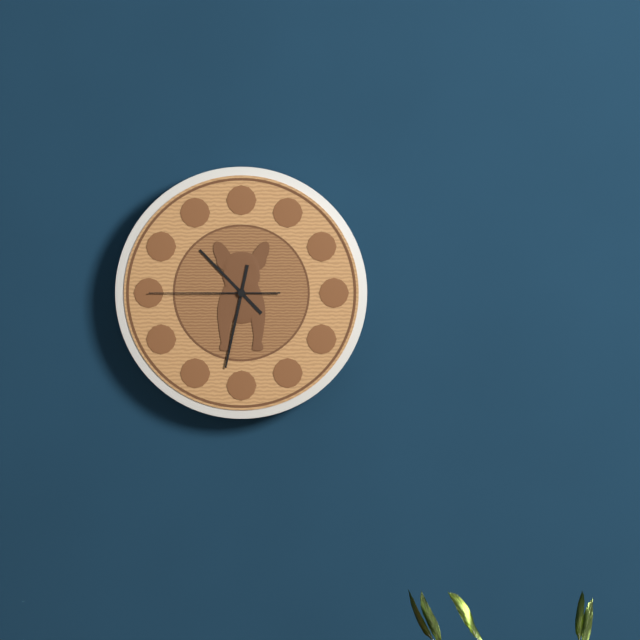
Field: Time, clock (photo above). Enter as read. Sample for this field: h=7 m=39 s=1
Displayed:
h=10 m=32 s=45
